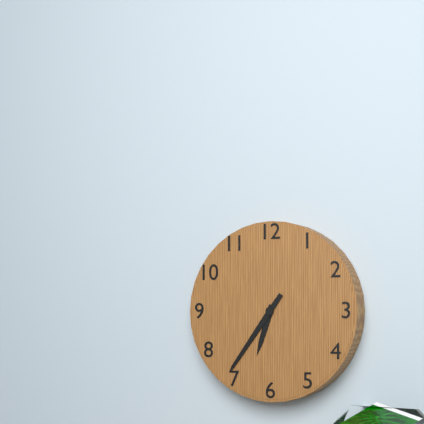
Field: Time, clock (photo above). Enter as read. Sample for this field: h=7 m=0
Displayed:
h=6 m=36
